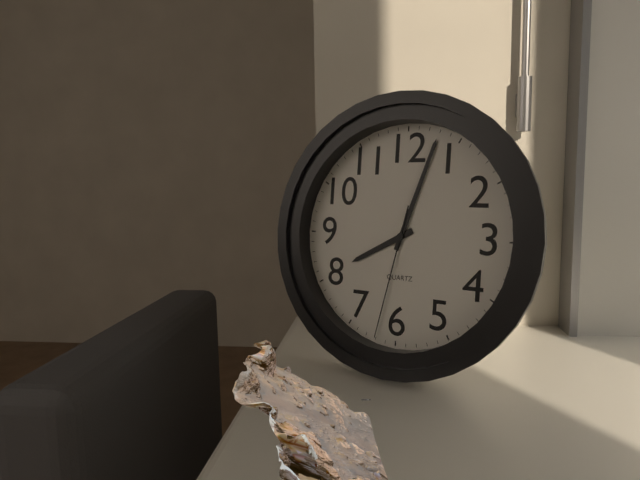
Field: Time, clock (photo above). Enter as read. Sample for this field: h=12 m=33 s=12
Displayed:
h=8 m=3 s=32
